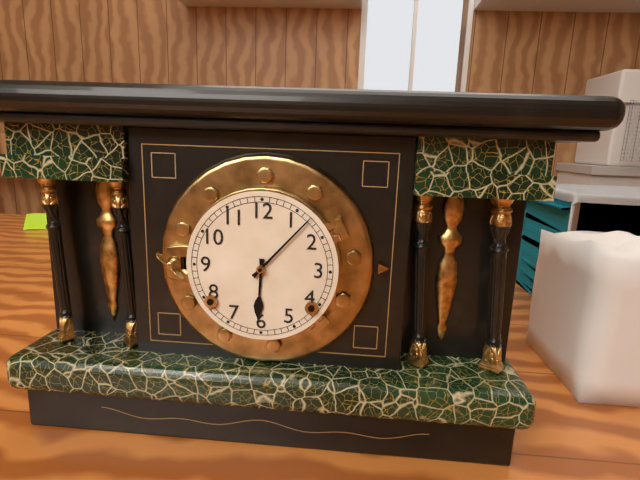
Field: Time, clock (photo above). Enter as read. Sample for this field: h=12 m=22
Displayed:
h=6 m=7
